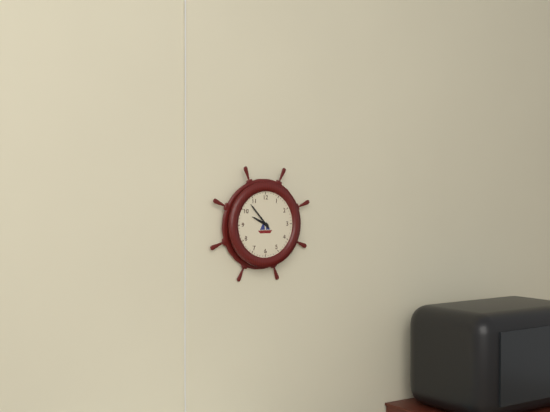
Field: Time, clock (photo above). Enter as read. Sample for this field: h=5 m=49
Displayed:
h=9 m=53
